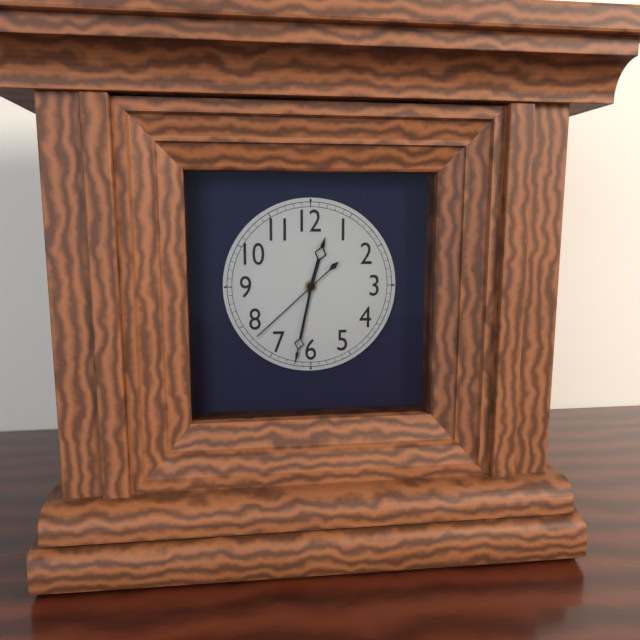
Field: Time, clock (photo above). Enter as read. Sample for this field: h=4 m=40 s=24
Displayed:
h=12 m=32 s=38
